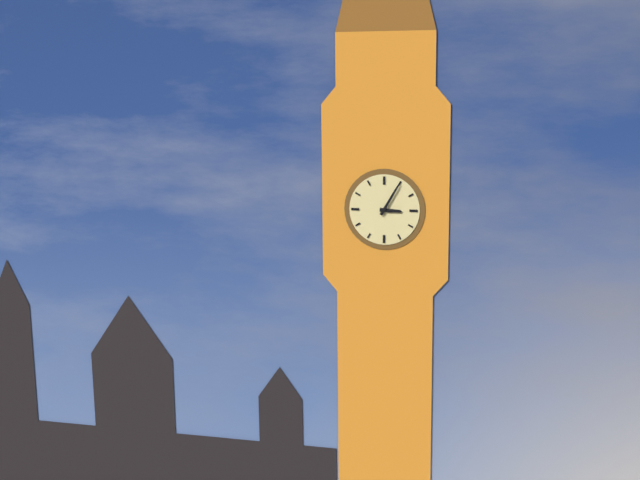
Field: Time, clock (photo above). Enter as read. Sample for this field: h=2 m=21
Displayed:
h=3 m=5
